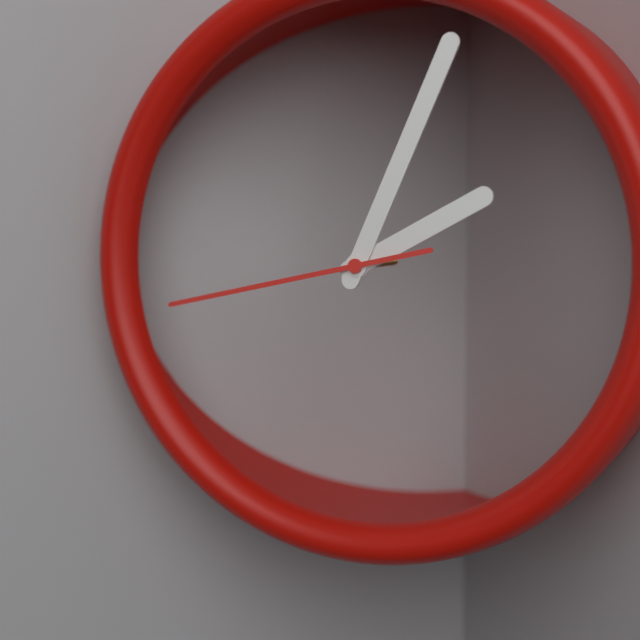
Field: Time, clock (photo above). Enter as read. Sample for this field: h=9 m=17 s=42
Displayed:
h=2 m=4 s=43
